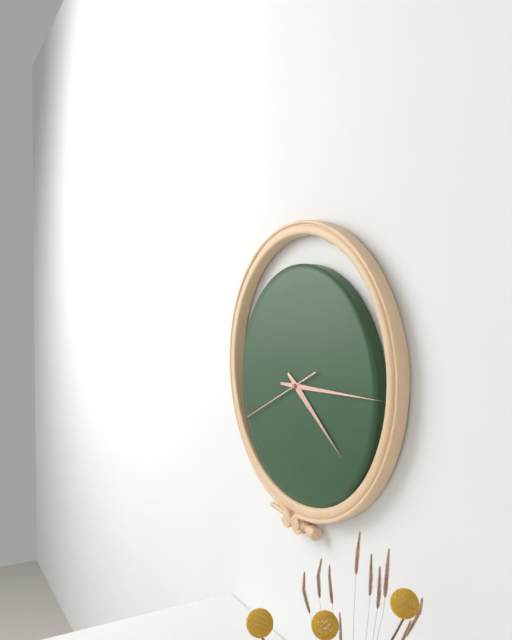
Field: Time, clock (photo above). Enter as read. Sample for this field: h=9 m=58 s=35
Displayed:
h=4 m=15 s=41
